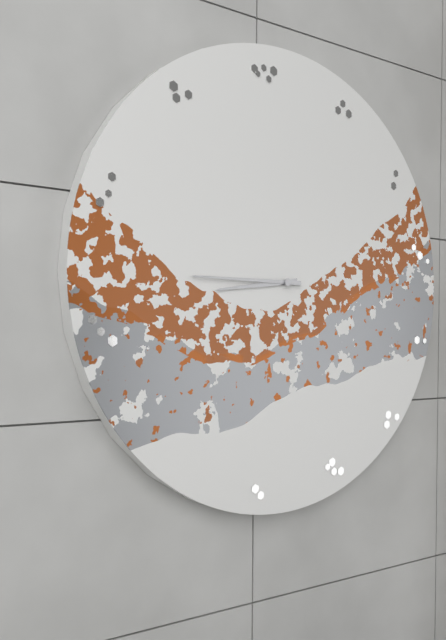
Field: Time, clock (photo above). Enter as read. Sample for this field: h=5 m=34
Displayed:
h=8 m=45
